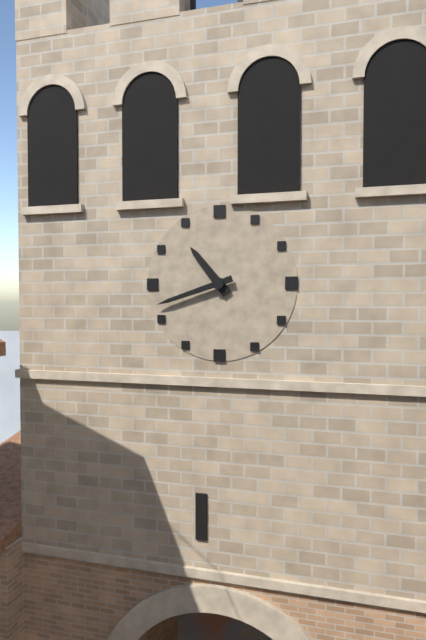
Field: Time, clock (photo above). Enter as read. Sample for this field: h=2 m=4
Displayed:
h=10 m=42
